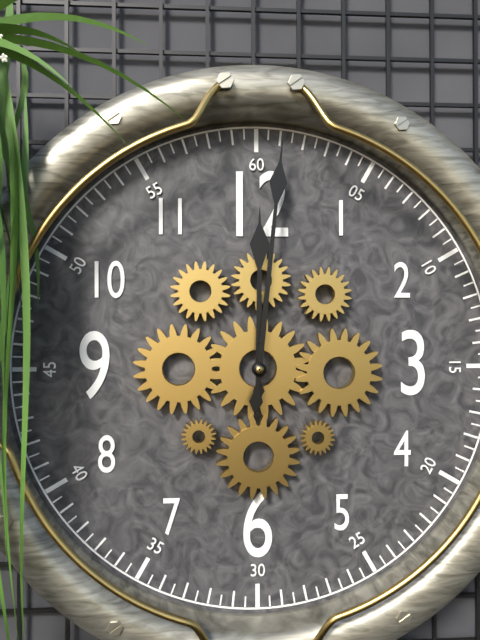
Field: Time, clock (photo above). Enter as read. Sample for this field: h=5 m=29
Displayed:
h=12 m=1
